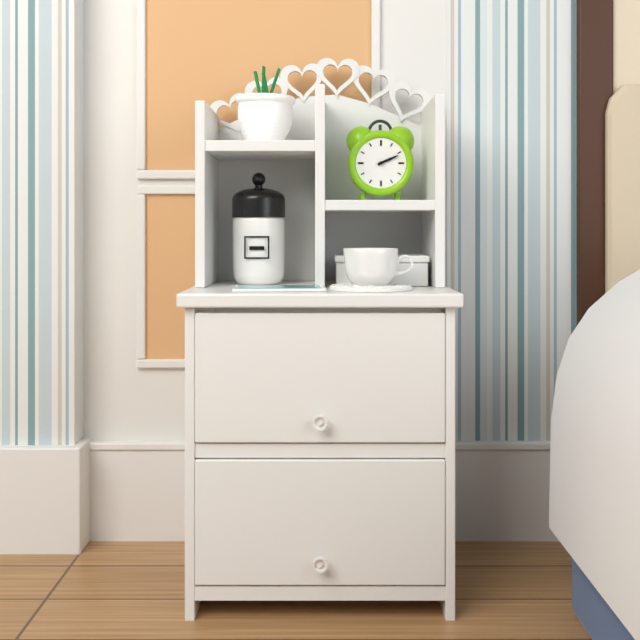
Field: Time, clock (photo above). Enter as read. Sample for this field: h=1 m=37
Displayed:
h=2 m=11
